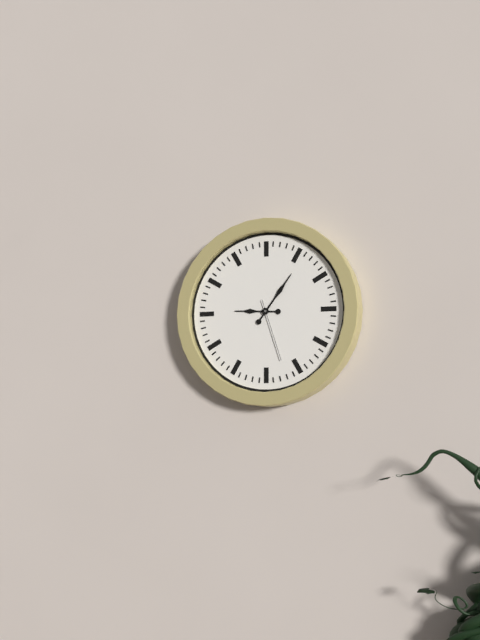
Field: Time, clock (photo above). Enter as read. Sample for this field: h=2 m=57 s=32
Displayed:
h=9 m=6 s=27
